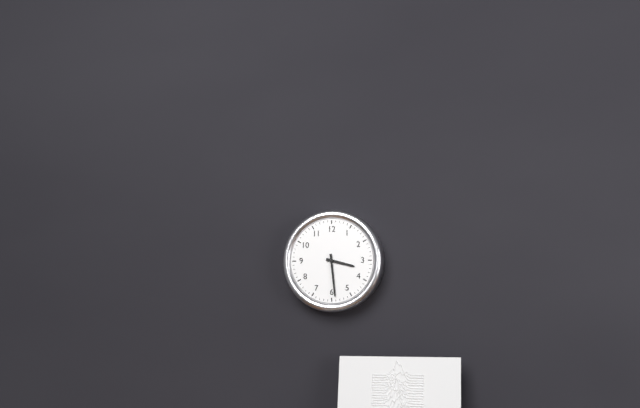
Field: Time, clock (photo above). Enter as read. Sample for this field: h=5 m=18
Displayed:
h=3 m=29
